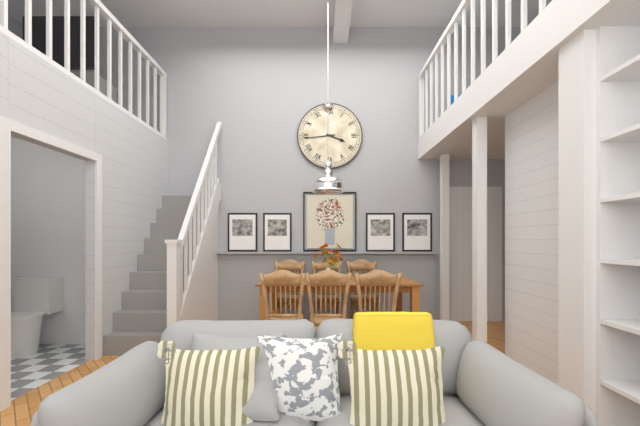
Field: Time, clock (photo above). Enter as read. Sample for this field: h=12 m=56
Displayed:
h=3 m=44
